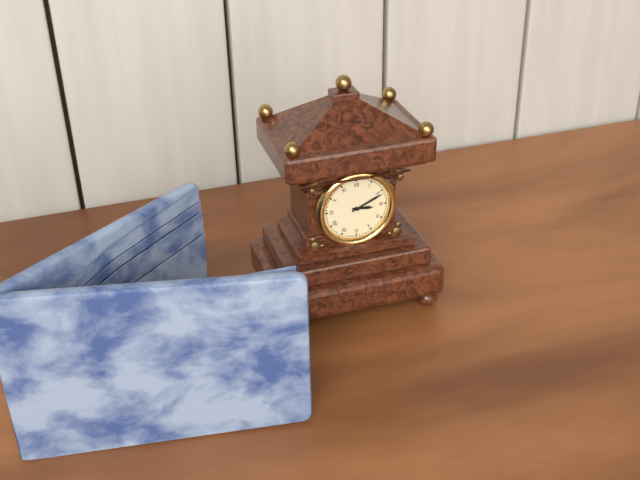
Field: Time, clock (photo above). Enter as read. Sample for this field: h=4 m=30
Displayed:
h=3 m=11
